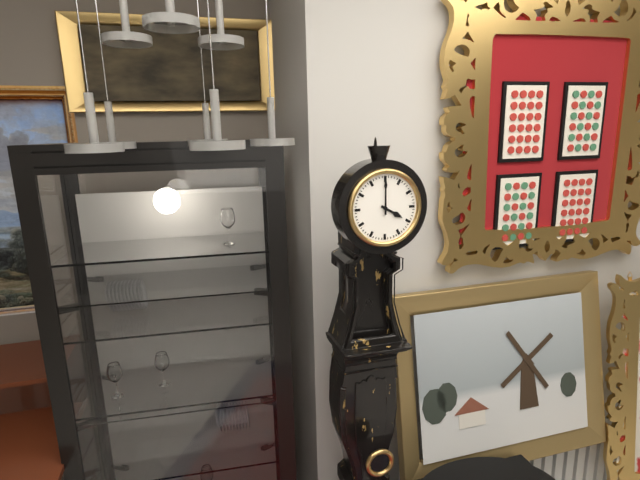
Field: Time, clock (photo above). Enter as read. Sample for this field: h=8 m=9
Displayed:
h=4 m=0
